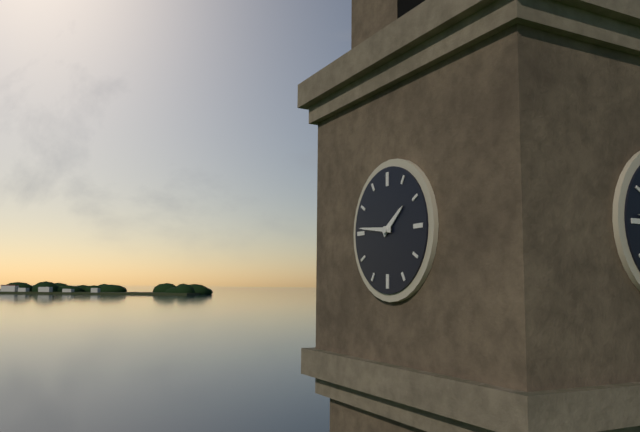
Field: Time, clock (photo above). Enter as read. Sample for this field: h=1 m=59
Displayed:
h=1 m=46
